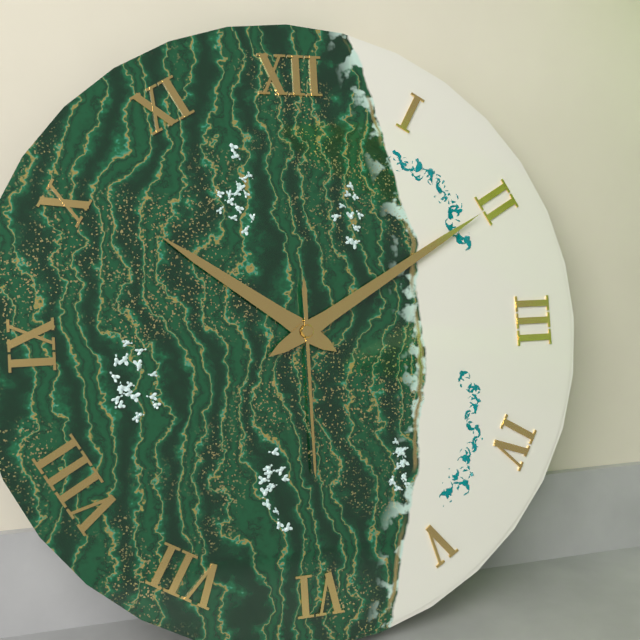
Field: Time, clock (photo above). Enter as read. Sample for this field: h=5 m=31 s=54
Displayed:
h=10 m=10 s=30
